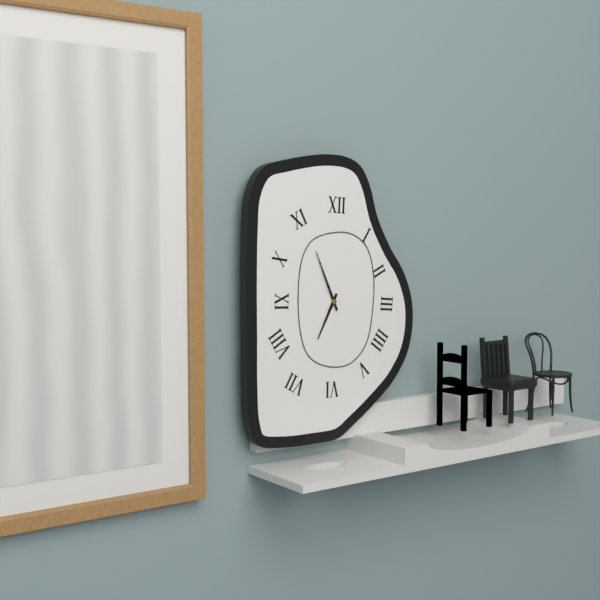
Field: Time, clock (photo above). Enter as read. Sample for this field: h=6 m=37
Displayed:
h=6 m=56
